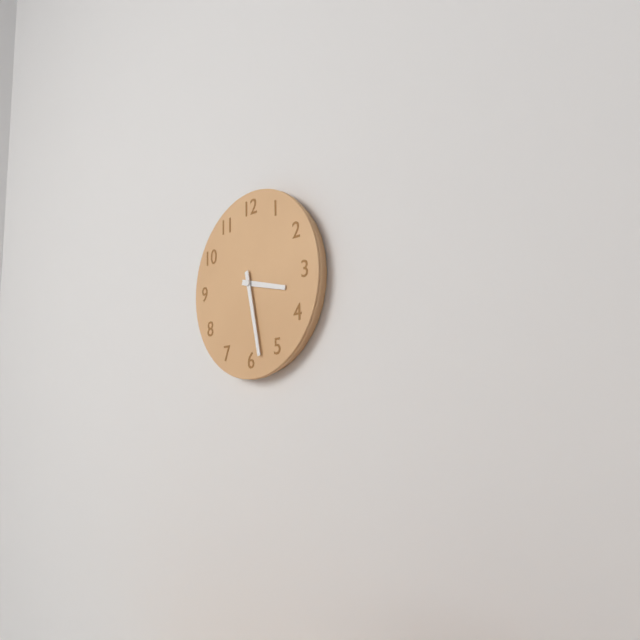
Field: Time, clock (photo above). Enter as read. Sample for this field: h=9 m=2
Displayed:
h=3 m=28
